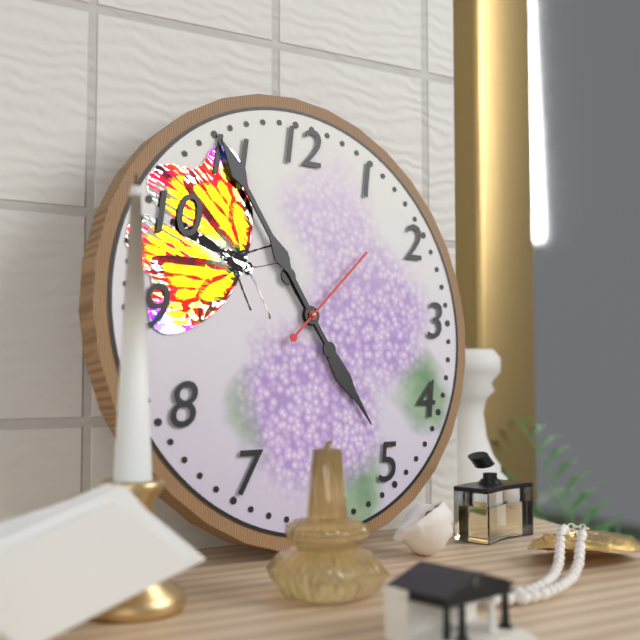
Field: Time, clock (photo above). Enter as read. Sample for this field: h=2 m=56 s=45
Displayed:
h=4 m=55 s=8
